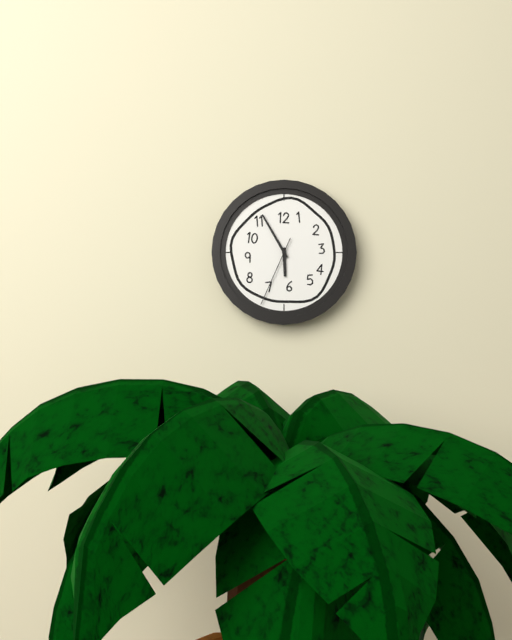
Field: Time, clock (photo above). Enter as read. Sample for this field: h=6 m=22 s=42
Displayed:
h=5 m=55 s=34
